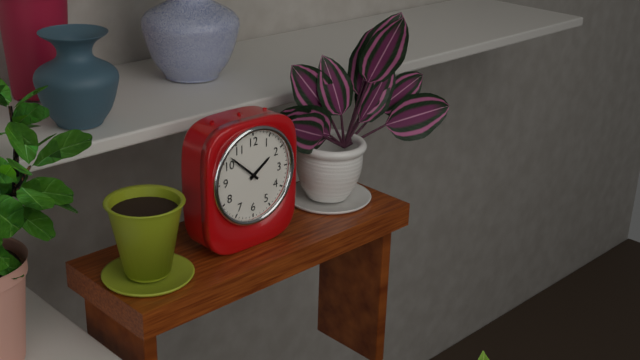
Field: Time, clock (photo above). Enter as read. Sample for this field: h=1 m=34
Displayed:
h=1 m=52
